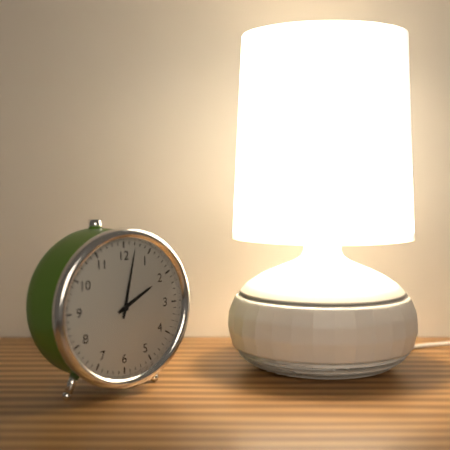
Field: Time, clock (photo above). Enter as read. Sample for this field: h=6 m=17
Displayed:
h=2 m=2
